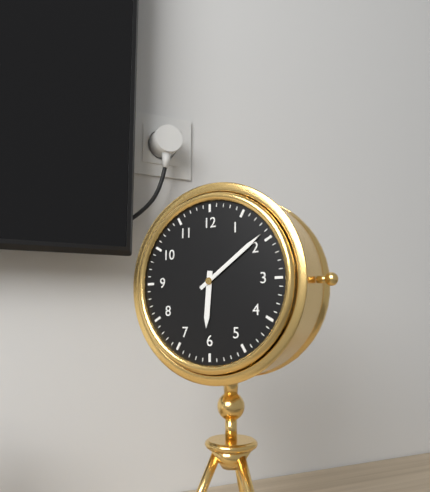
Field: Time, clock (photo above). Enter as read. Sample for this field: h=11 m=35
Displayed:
h=6 m=9
